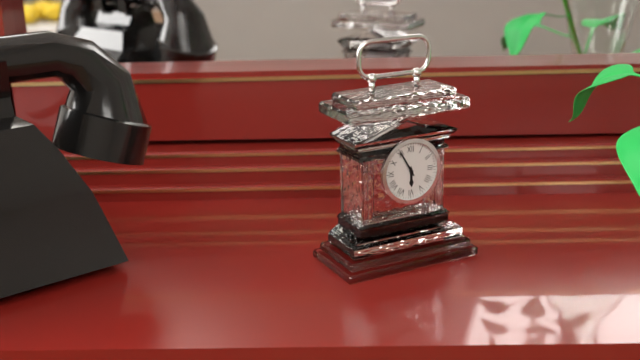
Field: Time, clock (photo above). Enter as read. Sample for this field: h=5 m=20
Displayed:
h=5 m=55
